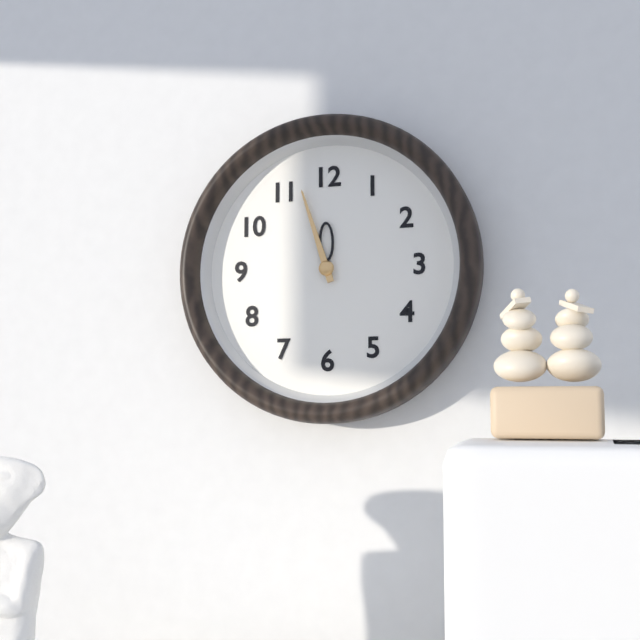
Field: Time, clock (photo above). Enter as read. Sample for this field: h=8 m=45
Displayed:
h=11 m=57
